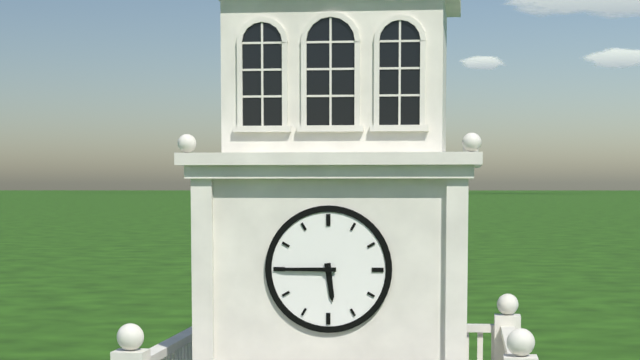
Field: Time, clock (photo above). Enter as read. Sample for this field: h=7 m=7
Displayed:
h=5 m=45
